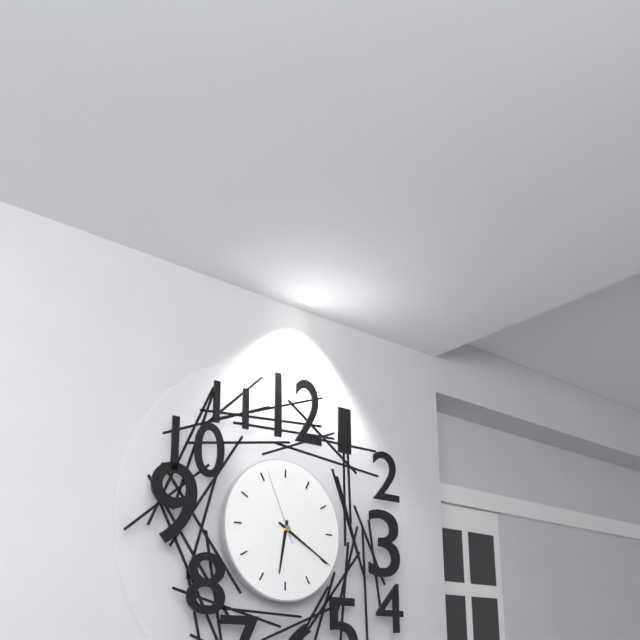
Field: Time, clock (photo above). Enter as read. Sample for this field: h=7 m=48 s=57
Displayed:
h=6 m=20 s=56
